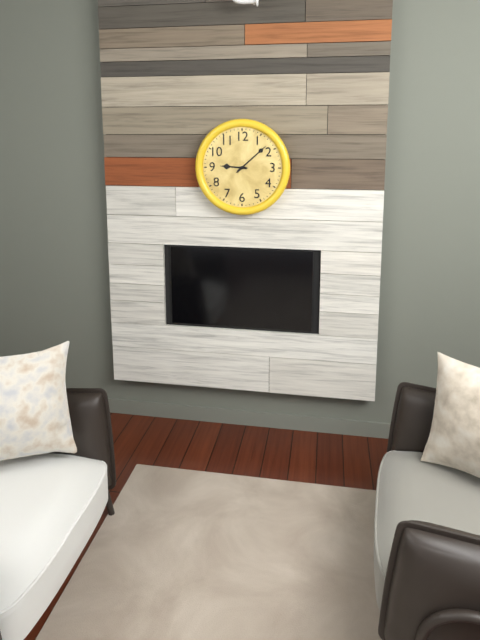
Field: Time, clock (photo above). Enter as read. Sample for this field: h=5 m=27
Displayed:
h=9 m=8
